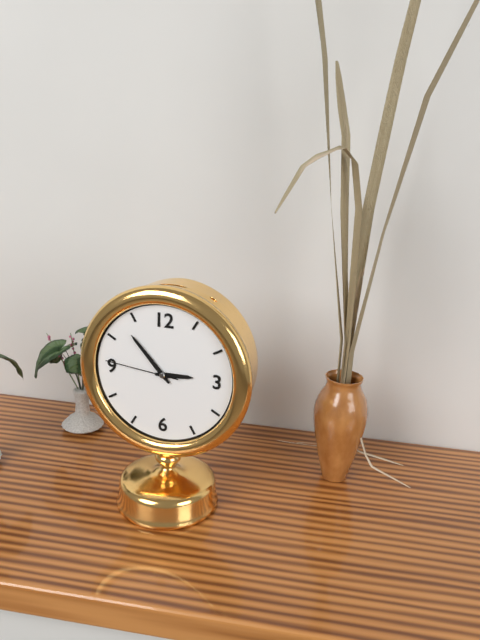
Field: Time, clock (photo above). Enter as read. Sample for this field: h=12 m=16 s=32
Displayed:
h=2 m=53 s=46
